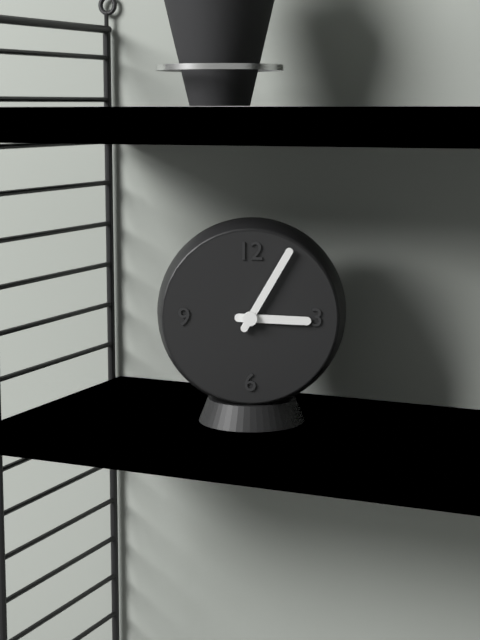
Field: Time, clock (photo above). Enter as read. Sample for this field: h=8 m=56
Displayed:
h=3 m=5
